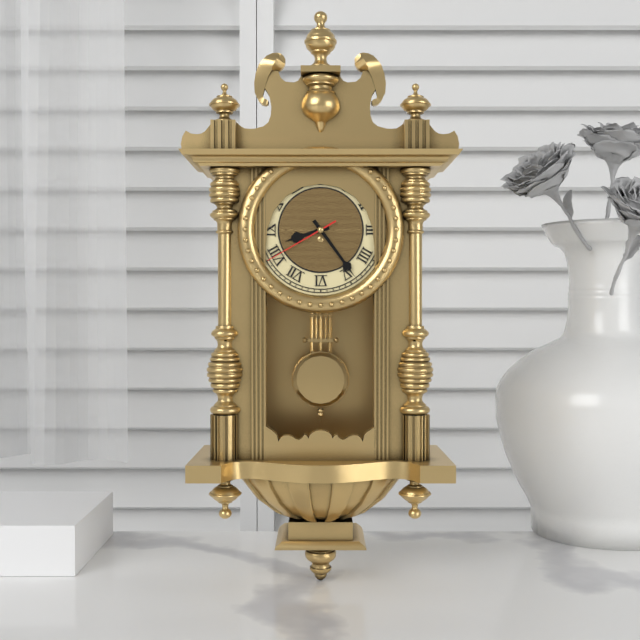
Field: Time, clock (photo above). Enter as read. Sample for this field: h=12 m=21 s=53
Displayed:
h=8 m=24 s=40
